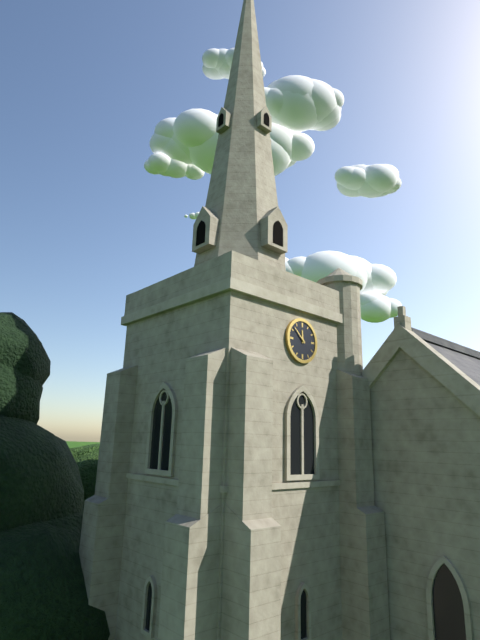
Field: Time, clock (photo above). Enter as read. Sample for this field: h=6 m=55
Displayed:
h=11 m=52
